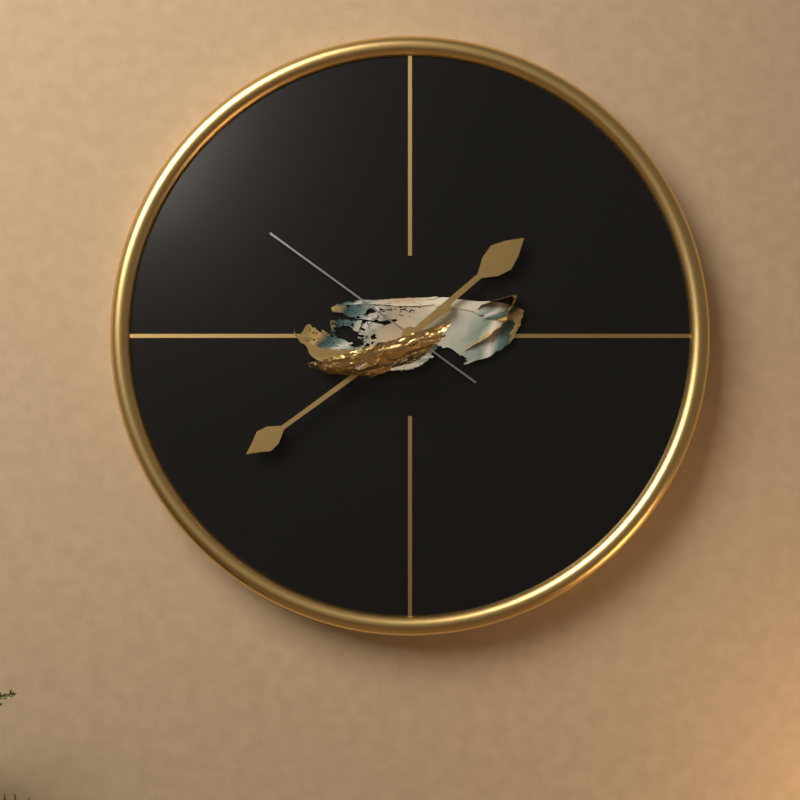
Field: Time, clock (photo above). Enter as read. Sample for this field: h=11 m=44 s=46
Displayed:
h=1 m=39 s=51
